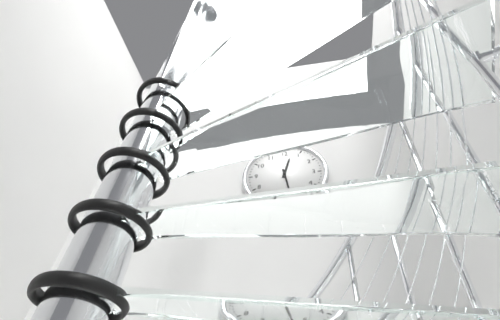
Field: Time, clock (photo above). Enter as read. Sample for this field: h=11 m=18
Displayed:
h=12 m=28
